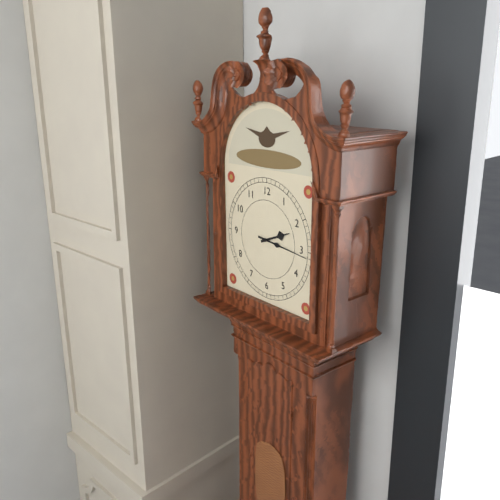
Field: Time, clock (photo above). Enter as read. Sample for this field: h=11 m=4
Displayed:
h=2 m=16
